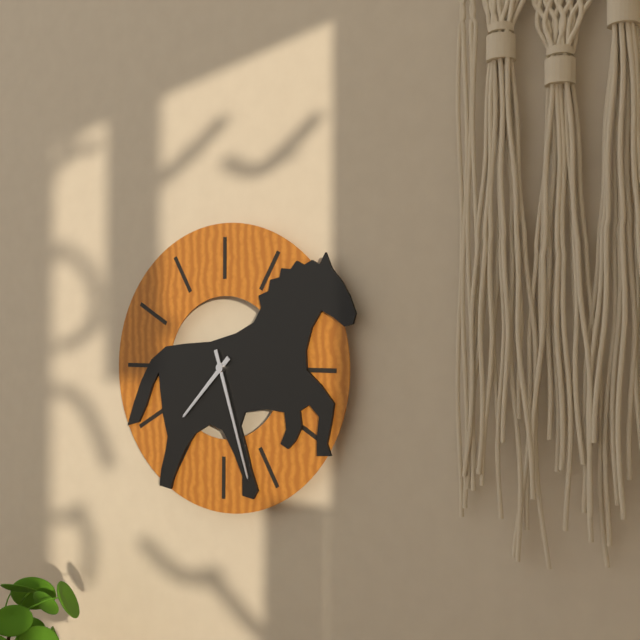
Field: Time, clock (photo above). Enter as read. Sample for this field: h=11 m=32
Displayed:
h=7 m=27
